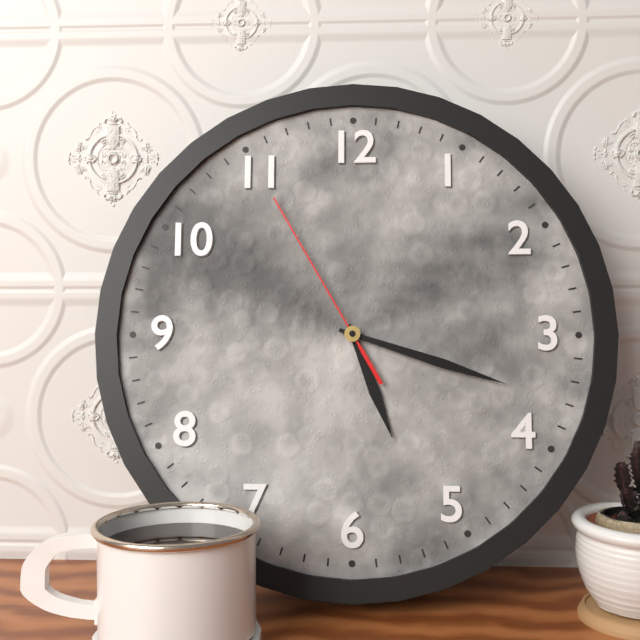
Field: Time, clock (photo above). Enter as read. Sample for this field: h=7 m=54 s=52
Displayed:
h=5 m=18 s=55
